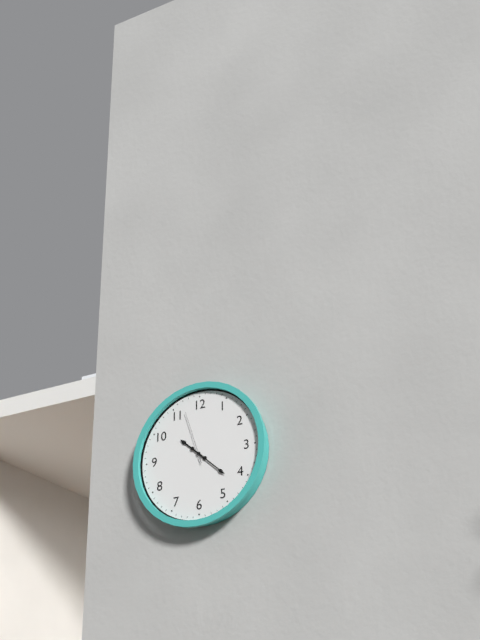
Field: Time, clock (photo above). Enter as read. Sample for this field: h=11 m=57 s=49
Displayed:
h=10 m=22 s=57
